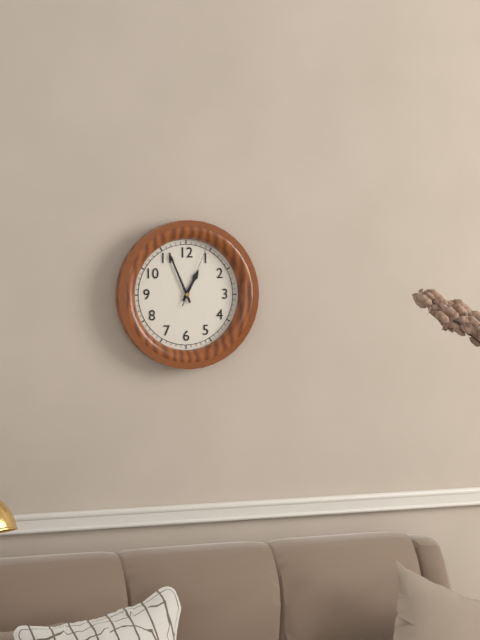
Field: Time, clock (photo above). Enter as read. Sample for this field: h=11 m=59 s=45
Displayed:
h=12 m=56 s=4
